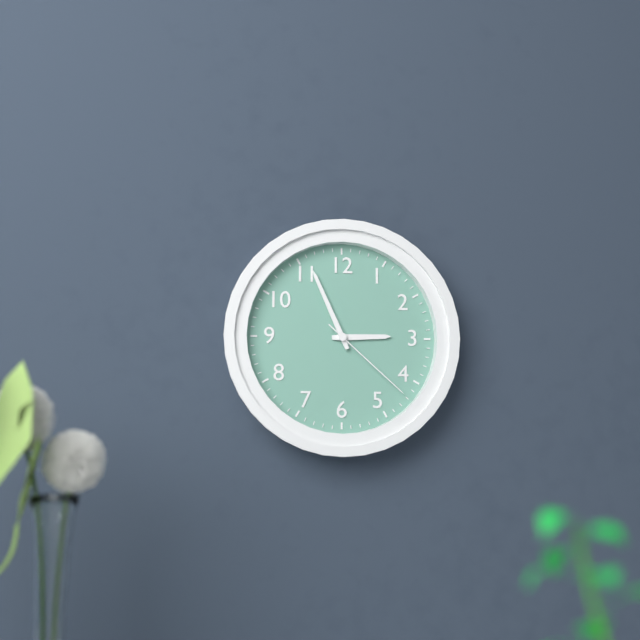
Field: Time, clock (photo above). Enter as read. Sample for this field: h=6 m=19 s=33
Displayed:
h=2 m=56 s=22
